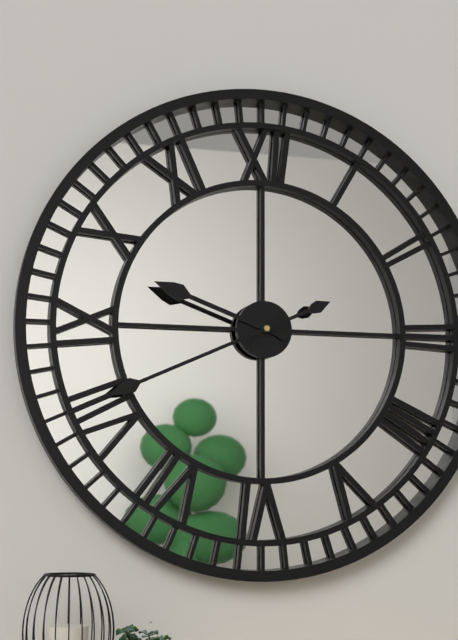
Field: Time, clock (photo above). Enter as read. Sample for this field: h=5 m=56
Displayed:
h=9 m=41
